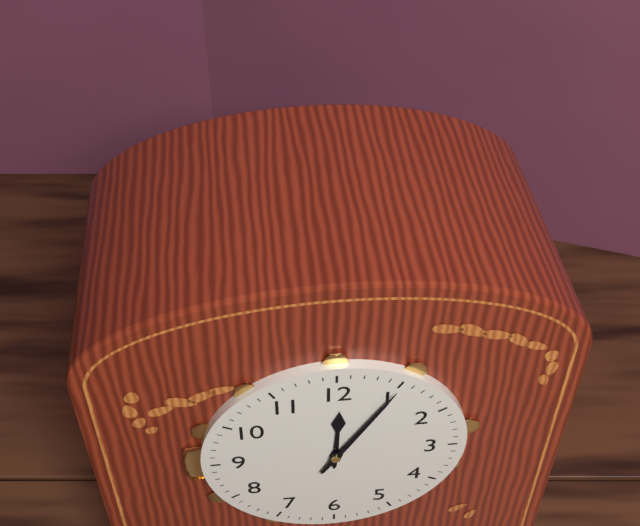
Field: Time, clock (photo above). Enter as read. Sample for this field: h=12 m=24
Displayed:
h=12 m=5
